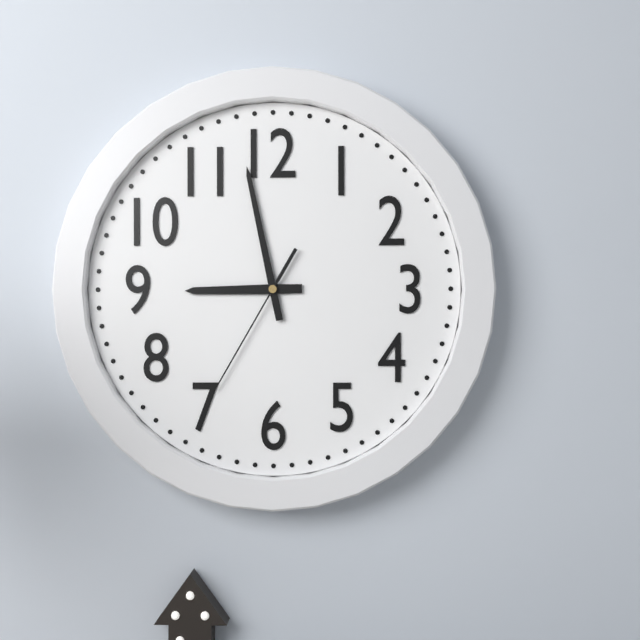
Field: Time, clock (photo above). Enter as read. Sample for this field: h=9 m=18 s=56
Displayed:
h=8 m=58 s=35
